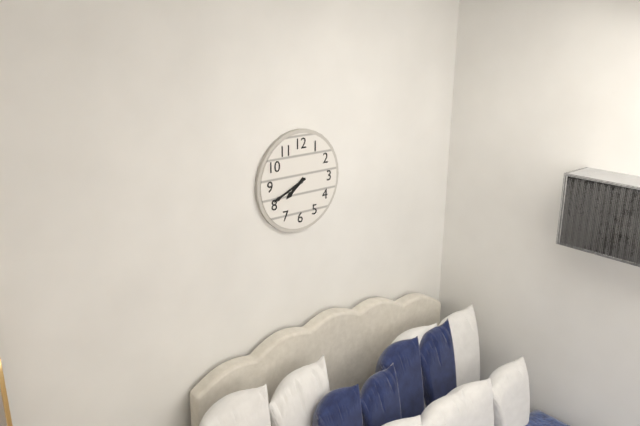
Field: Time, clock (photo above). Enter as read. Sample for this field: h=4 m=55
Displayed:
h=7 m=41
